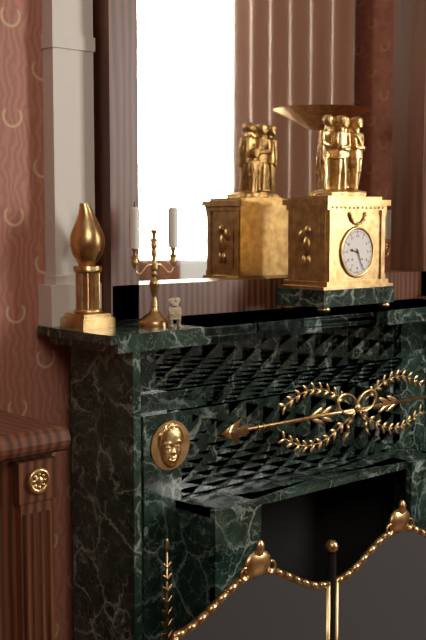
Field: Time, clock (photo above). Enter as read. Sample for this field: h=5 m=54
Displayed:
h=9 m=26
